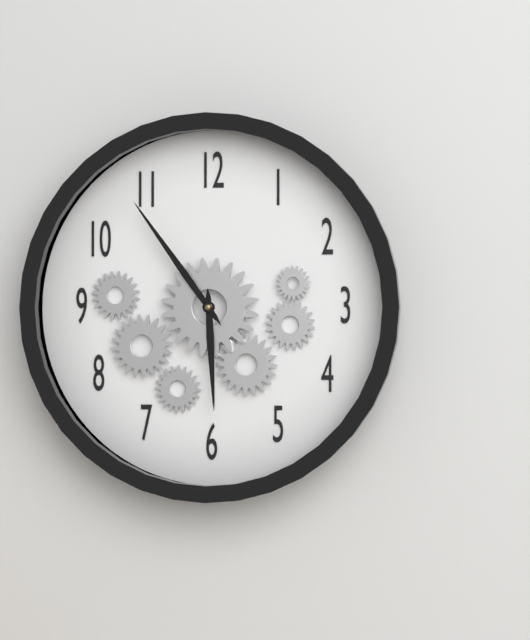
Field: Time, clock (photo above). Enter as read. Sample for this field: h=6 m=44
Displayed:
h=5 m=54
